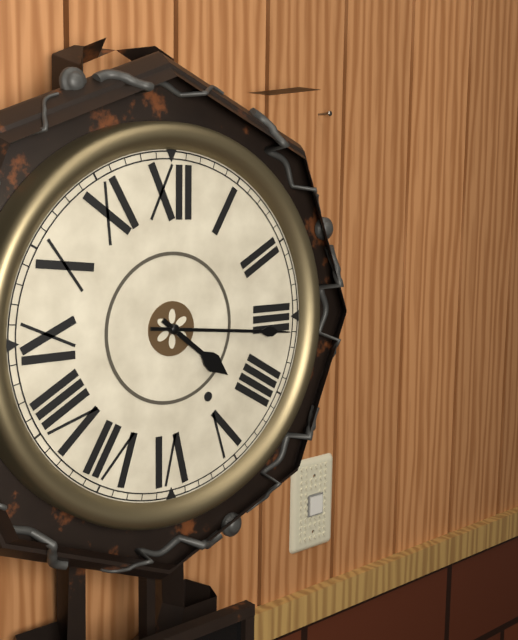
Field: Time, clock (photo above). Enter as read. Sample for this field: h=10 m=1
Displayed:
h=4 m=16
